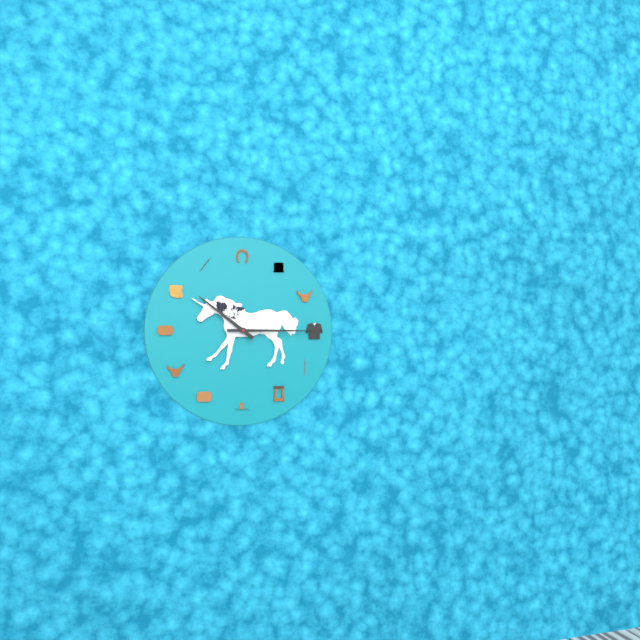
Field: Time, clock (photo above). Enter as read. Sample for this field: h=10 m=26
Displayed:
h=10 m=15
